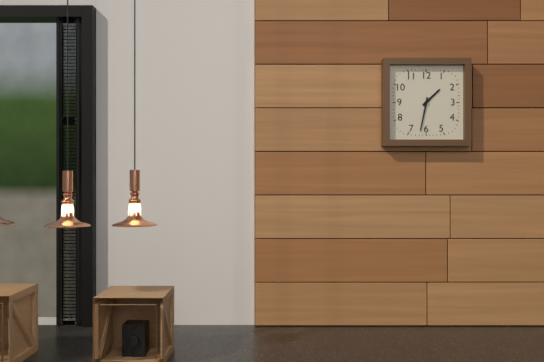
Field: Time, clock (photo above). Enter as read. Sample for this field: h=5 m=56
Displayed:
h=1 m=32
